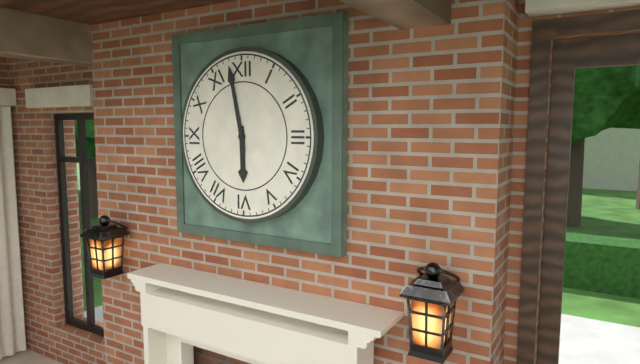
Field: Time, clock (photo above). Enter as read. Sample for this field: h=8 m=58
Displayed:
h=5 m=58
